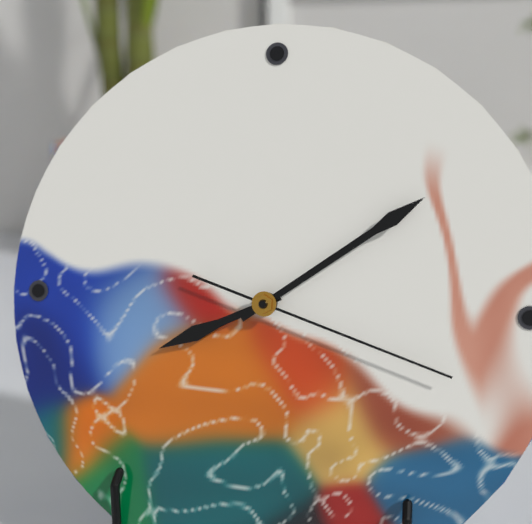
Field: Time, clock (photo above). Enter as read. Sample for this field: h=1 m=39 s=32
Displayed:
h=8 m=9 s=18
